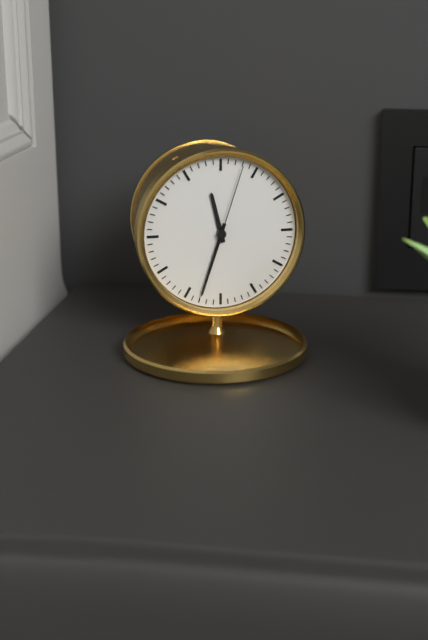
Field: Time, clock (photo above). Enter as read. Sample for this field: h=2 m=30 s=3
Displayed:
h=11 m=33 s=3
